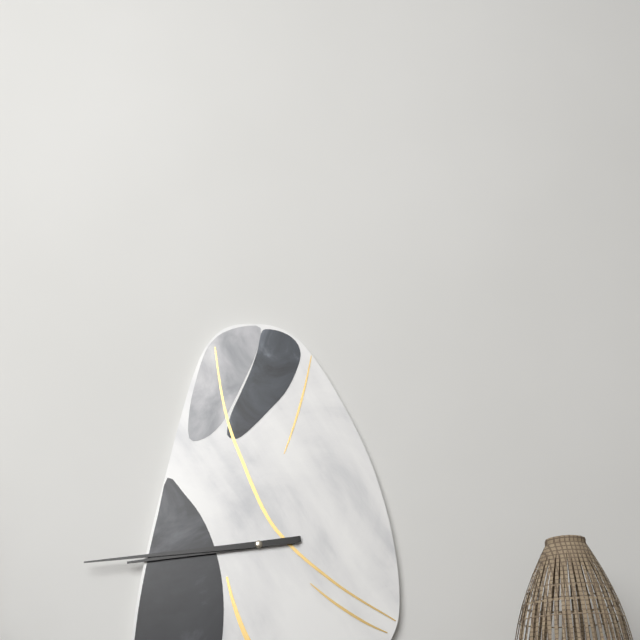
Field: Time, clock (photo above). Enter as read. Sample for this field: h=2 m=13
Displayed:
h=8 m=44
